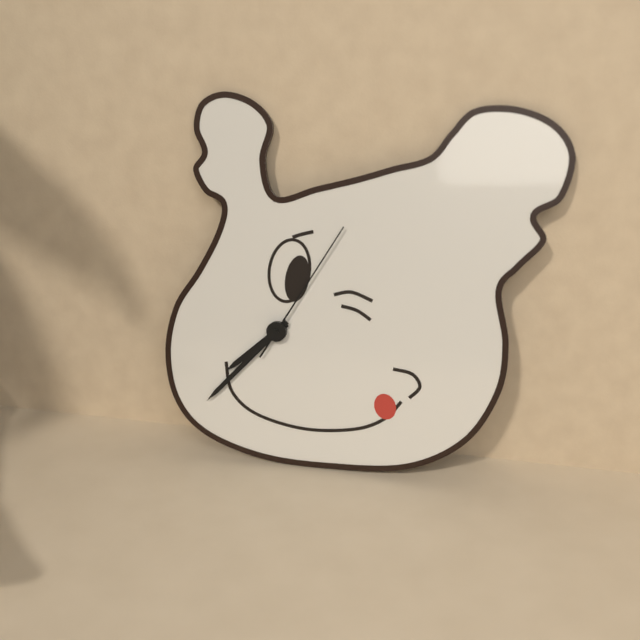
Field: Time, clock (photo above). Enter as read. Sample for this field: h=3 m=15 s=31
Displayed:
h=7 m=37 s=5
